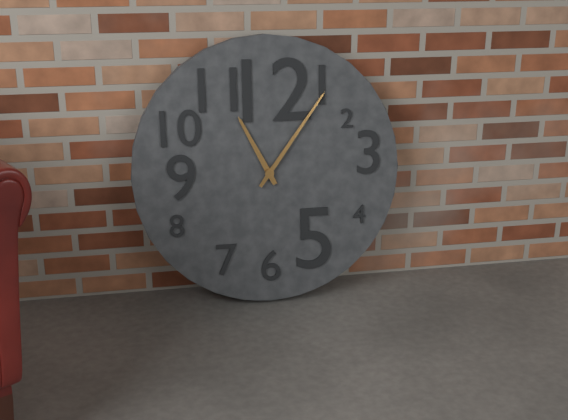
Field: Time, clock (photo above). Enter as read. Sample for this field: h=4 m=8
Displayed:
h=11 m=6
